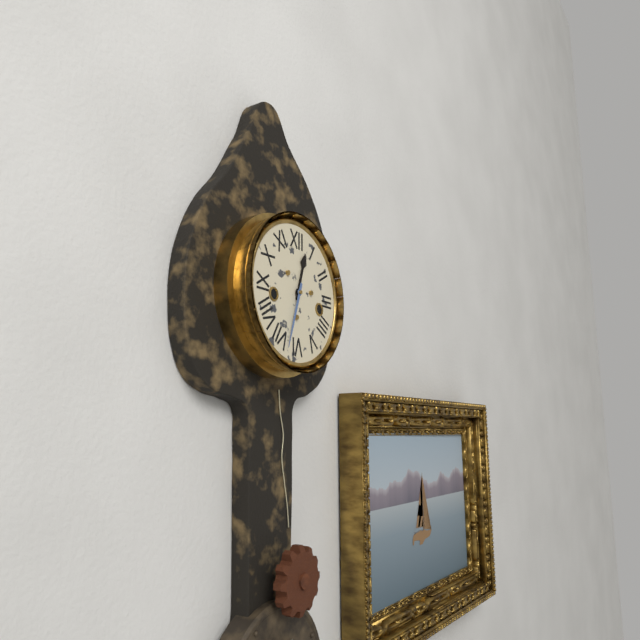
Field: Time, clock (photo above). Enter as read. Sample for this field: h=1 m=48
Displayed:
h=12 m=33
